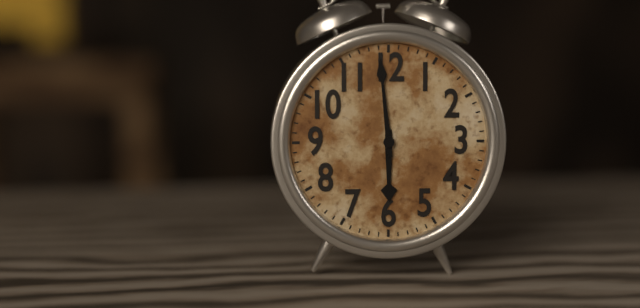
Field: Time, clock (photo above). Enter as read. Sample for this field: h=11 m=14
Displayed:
h=5 m=59
